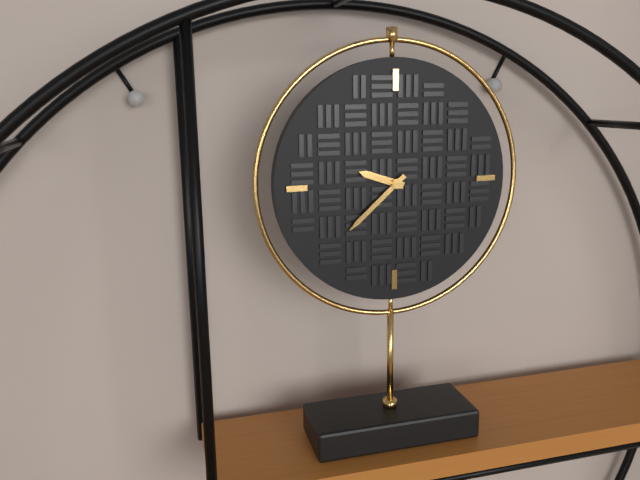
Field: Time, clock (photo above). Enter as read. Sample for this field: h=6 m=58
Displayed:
h=9 m=38
